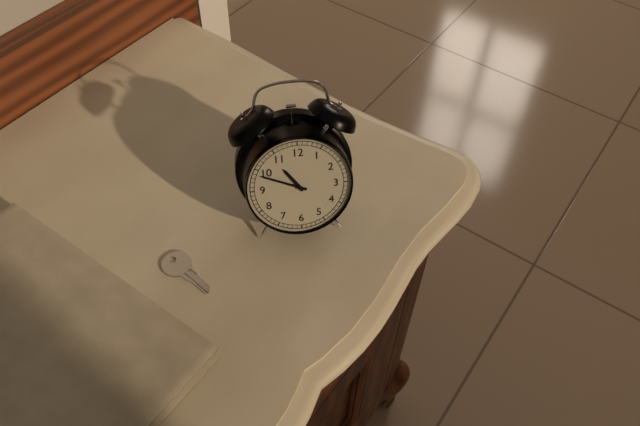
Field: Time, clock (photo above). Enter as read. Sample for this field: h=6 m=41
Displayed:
h=10 m=49
